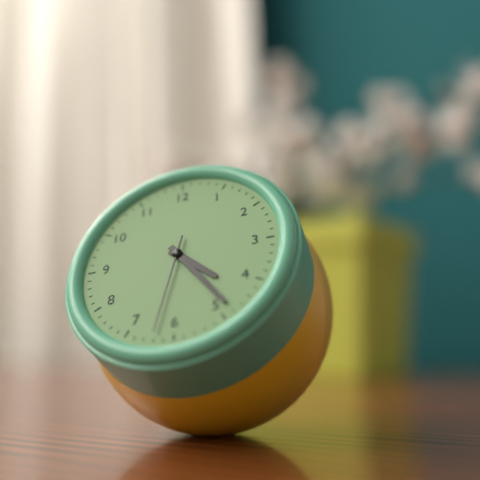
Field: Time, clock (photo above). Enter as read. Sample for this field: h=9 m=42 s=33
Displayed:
h=4 m=24 s=32
